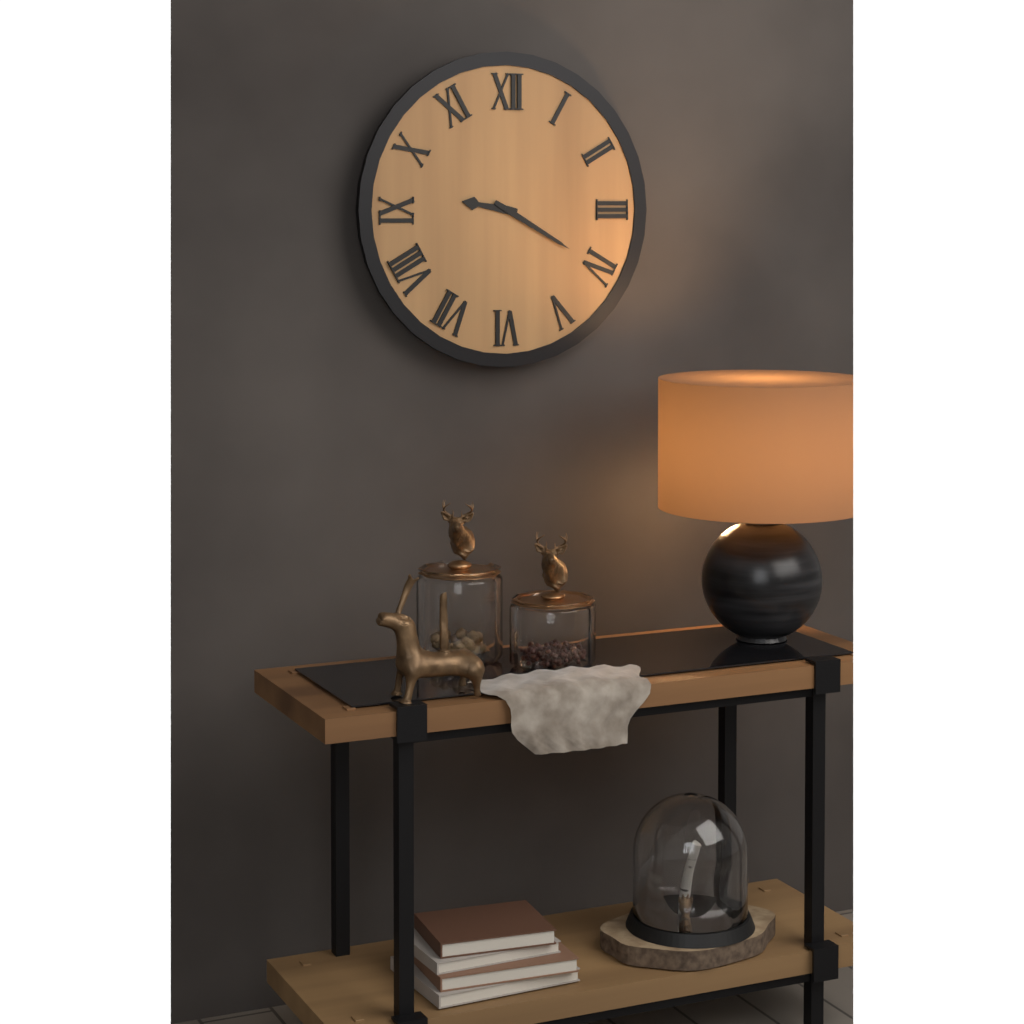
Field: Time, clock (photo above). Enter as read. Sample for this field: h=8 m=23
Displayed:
h=9 m=20
